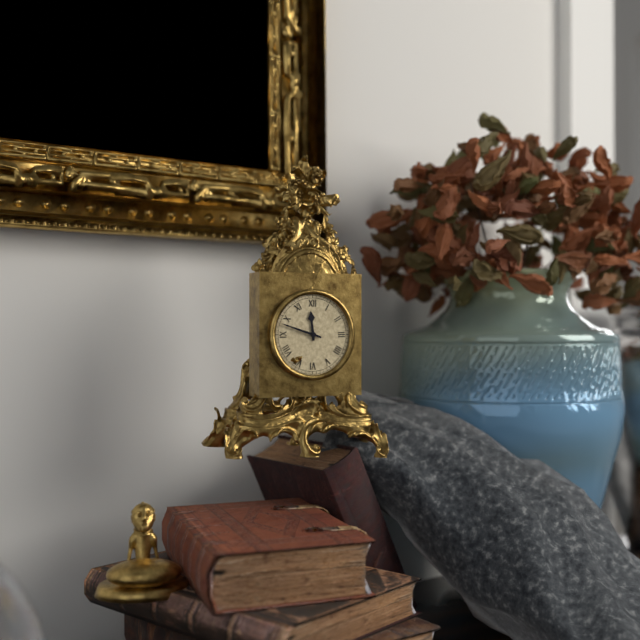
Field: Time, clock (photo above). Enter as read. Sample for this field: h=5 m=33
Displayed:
h=11 m=48
